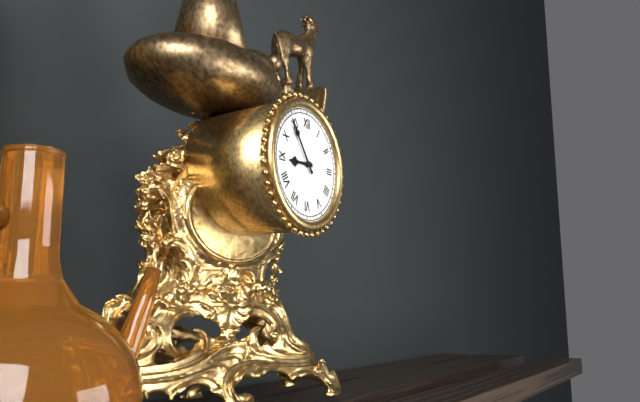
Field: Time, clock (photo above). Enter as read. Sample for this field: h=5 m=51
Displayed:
h=8 m=54
